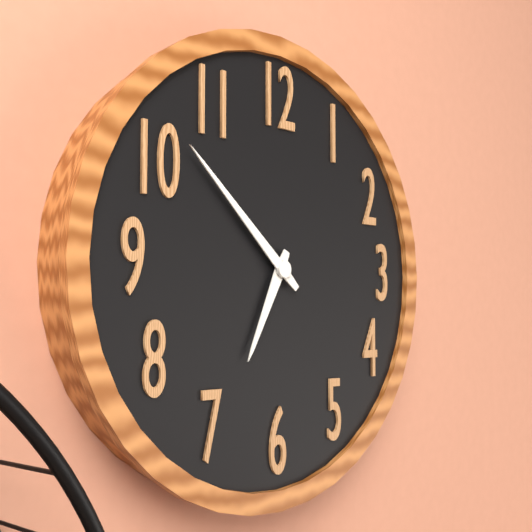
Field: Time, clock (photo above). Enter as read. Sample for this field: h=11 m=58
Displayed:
h=6 m=52
